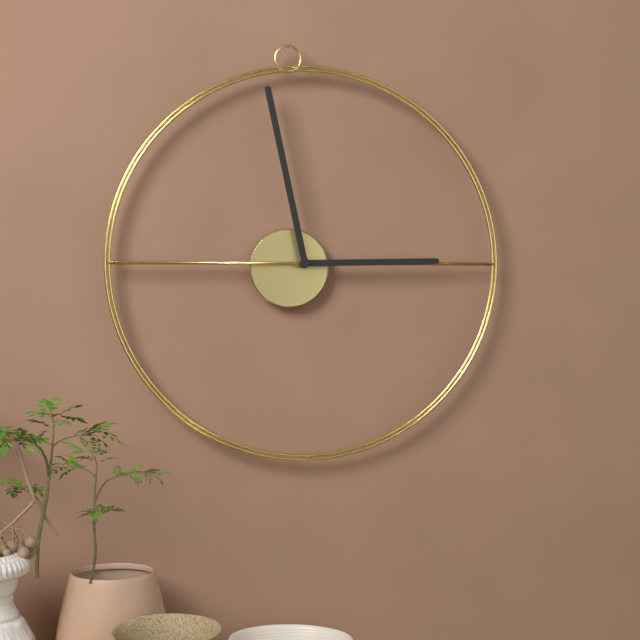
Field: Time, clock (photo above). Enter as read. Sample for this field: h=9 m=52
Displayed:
h=2 m=58
